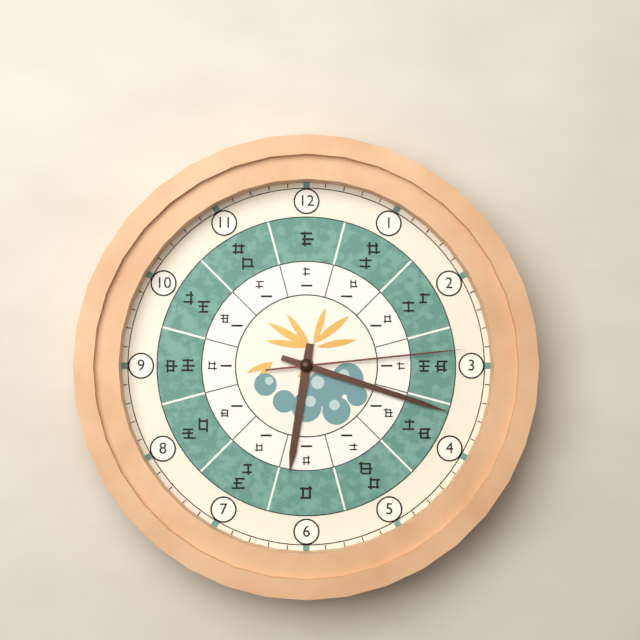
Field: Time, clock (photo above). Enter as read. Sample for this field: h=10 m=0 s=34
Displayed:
h=6 m=18 s=14
